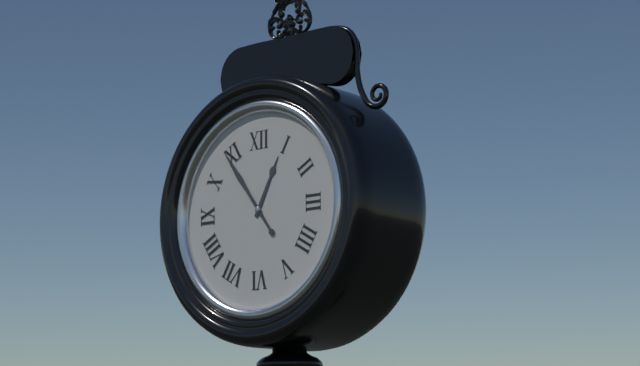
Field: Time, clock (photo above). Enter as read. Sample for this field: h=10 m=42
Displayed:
h=12 m=54
